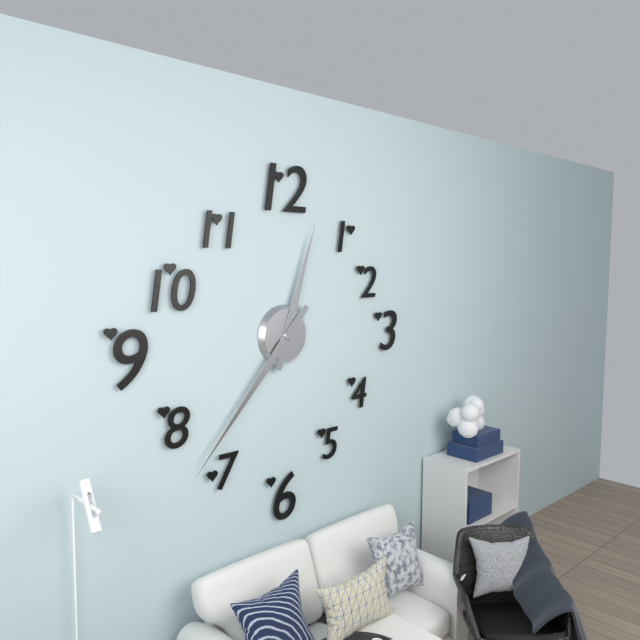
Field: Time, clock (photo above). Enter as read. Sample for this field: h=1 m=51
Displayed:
h=12 m=37
